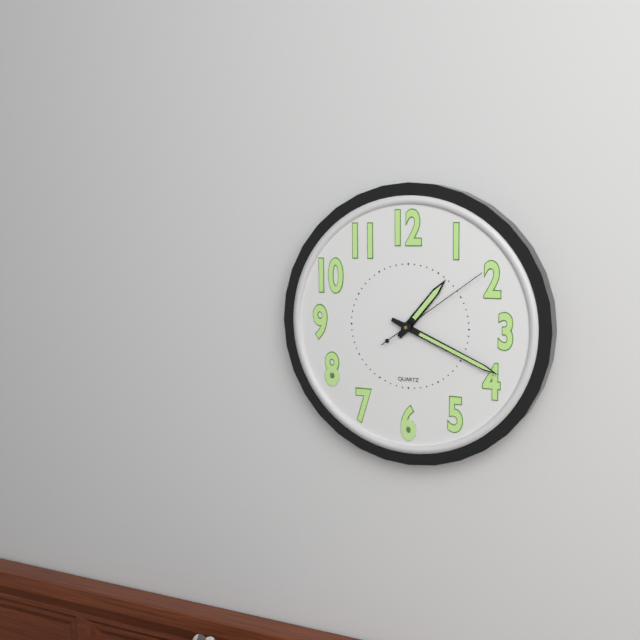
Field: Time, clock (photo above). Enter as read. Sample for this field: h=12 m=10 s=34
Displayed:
h=1 m=19 s=9
